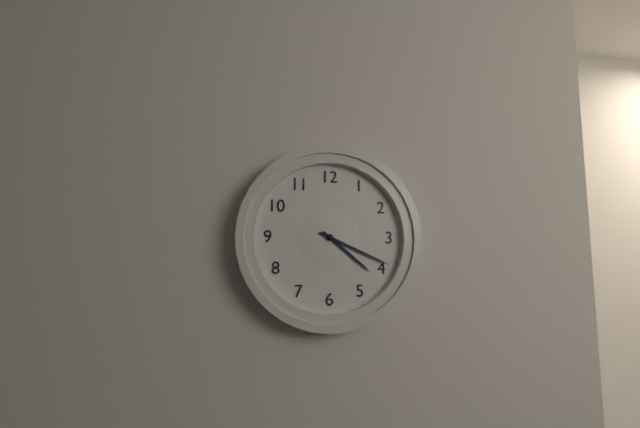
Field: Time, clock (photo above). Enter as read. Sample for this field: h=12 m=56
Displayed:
h=4 m=19
